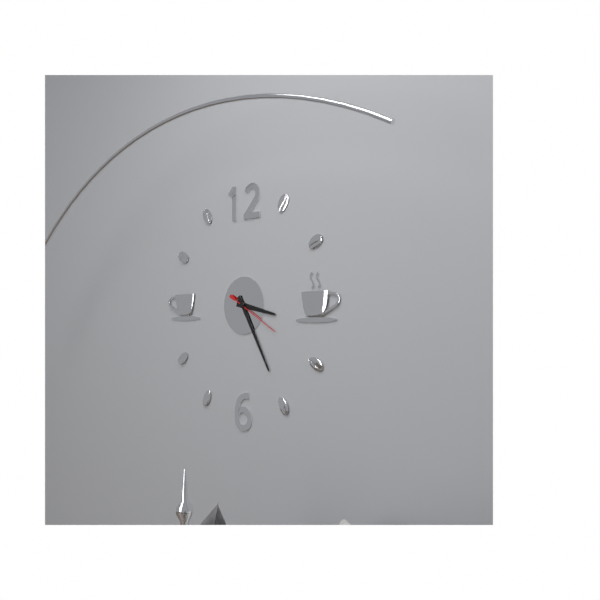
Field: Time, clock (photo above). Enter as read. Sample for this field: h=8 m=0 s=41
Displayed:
h=3 m=25 s=20
